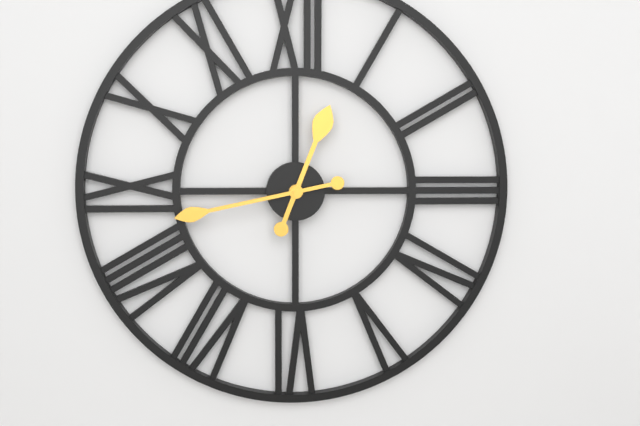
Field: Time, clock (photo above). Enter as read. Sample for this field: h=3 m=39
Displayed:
h=12 m=43
